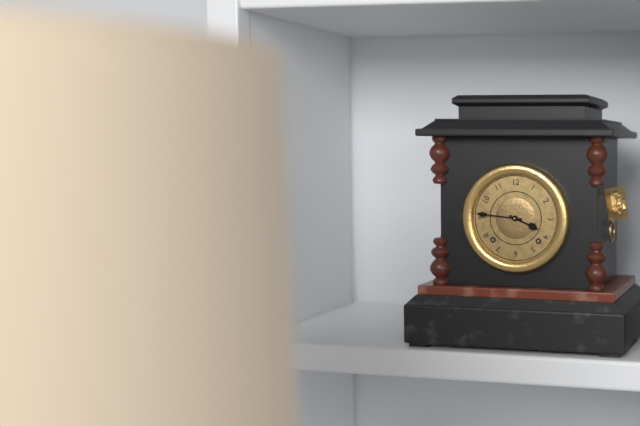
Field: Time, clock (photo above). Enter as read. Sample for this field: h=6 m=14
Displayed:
h=3 m=46
